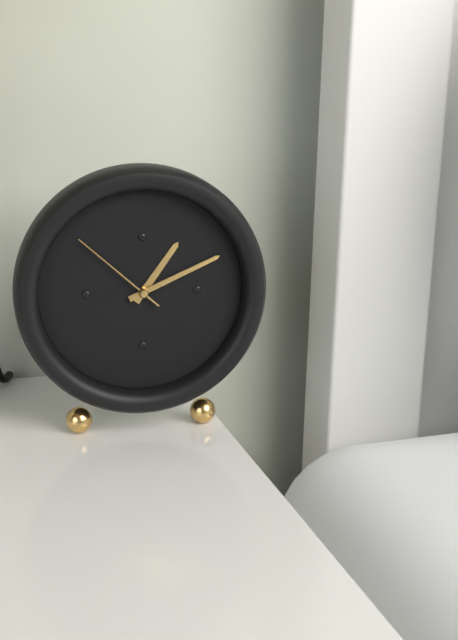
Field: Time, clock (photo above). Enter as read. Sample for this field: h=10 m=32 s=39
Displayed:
h=1 m=11 s=52
